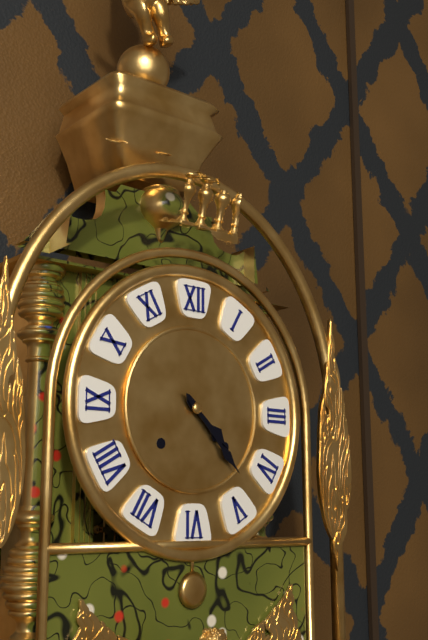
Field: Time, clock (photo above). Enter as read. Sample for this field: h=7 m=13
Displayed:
h=4 m=23
